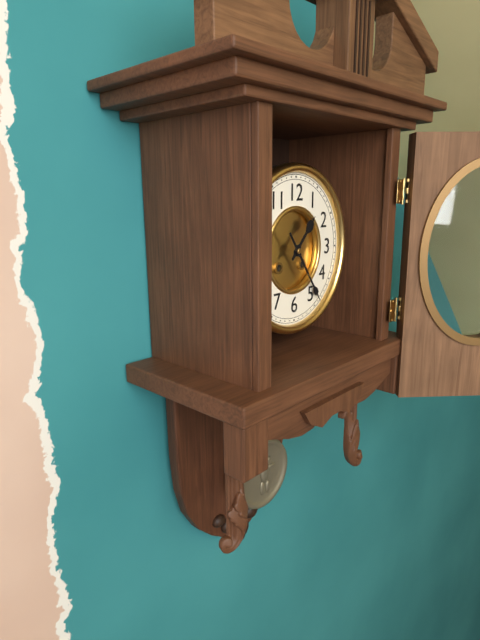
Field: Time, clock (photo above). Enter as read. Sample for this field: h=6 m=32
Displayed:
h=1 m=24
